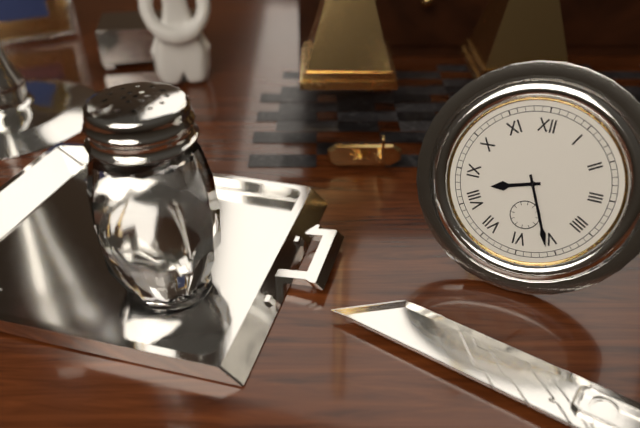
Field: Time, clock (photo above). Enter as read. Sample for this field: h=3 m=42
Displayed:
h=8 m=26
